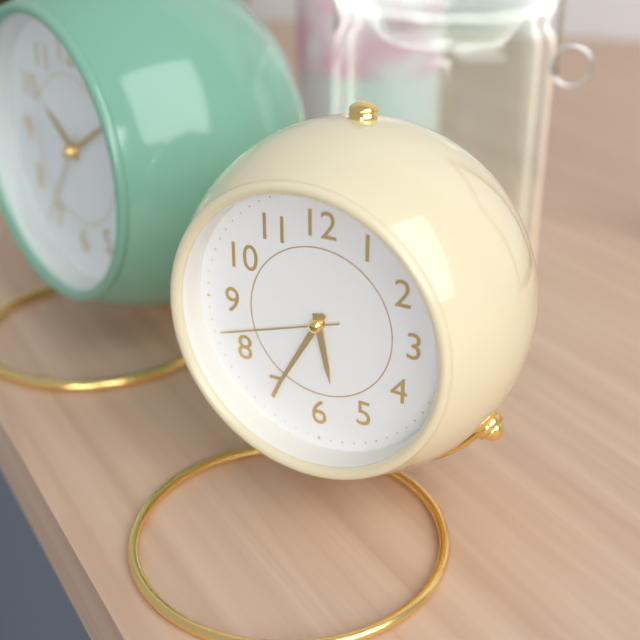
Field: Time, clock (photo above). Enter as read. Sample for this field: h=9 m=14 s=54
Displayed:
h=5 m=35 s=42
